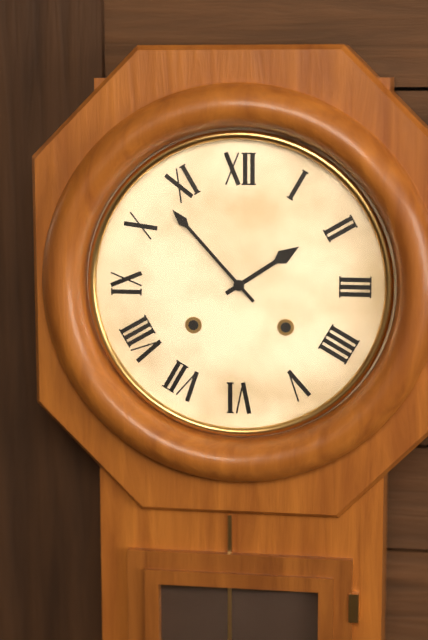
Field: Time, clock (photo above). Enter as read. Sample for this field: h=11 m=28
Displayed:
h=1 m=53
